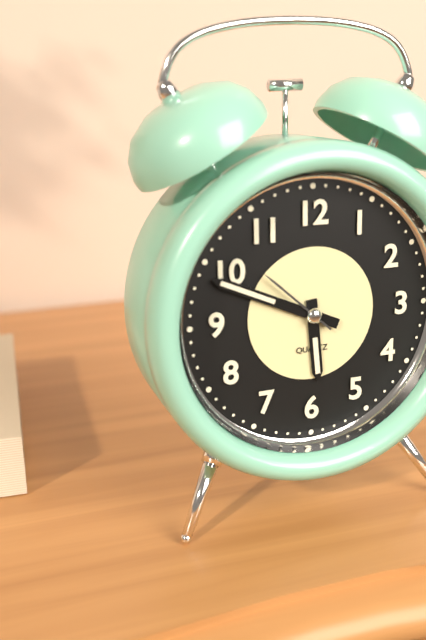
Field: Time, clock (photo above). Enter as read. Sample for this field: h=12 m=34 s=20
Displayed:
h=5 m=49 s=52
